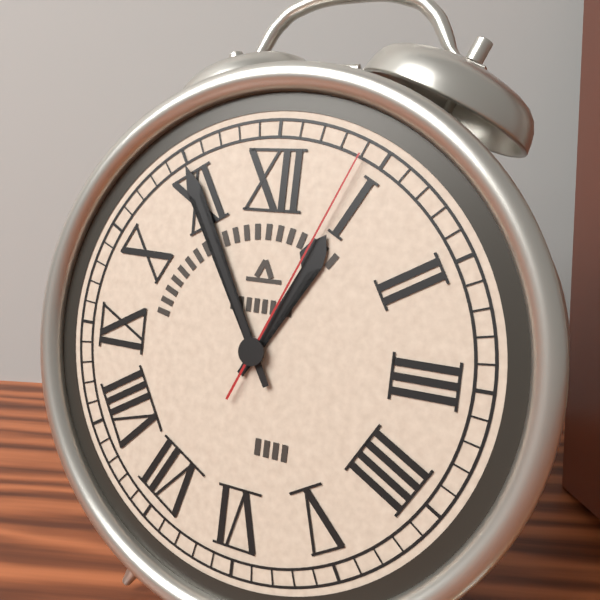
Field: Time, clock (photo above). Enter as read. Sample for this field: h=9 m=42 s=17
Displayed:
h=12 m=55 s=4
